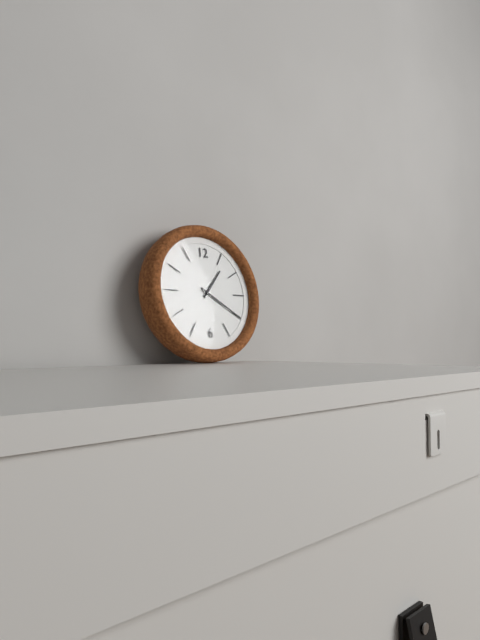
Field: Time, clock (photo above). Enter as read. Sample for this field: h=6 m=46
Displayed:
h=1 m=20
